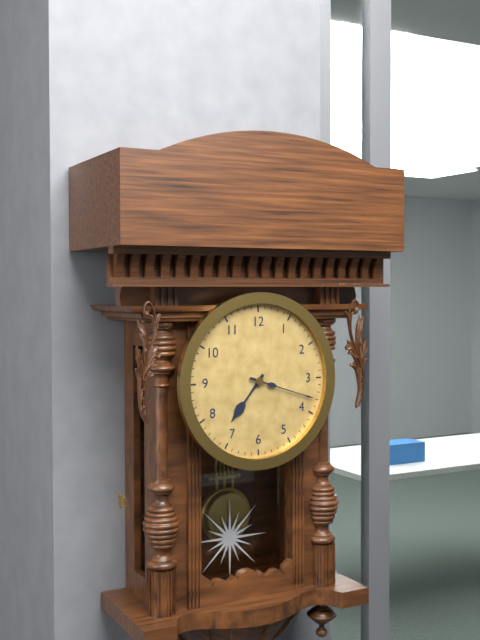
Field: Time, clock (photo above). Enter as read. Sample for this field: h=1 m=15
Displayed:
h=7 m=18
